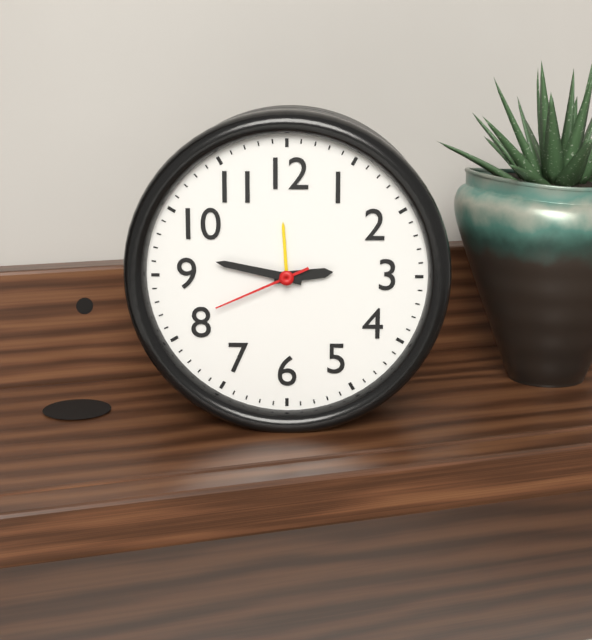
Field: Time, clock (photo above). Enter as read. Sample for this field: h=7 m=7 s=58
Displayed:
h=2 m=47 s=41
